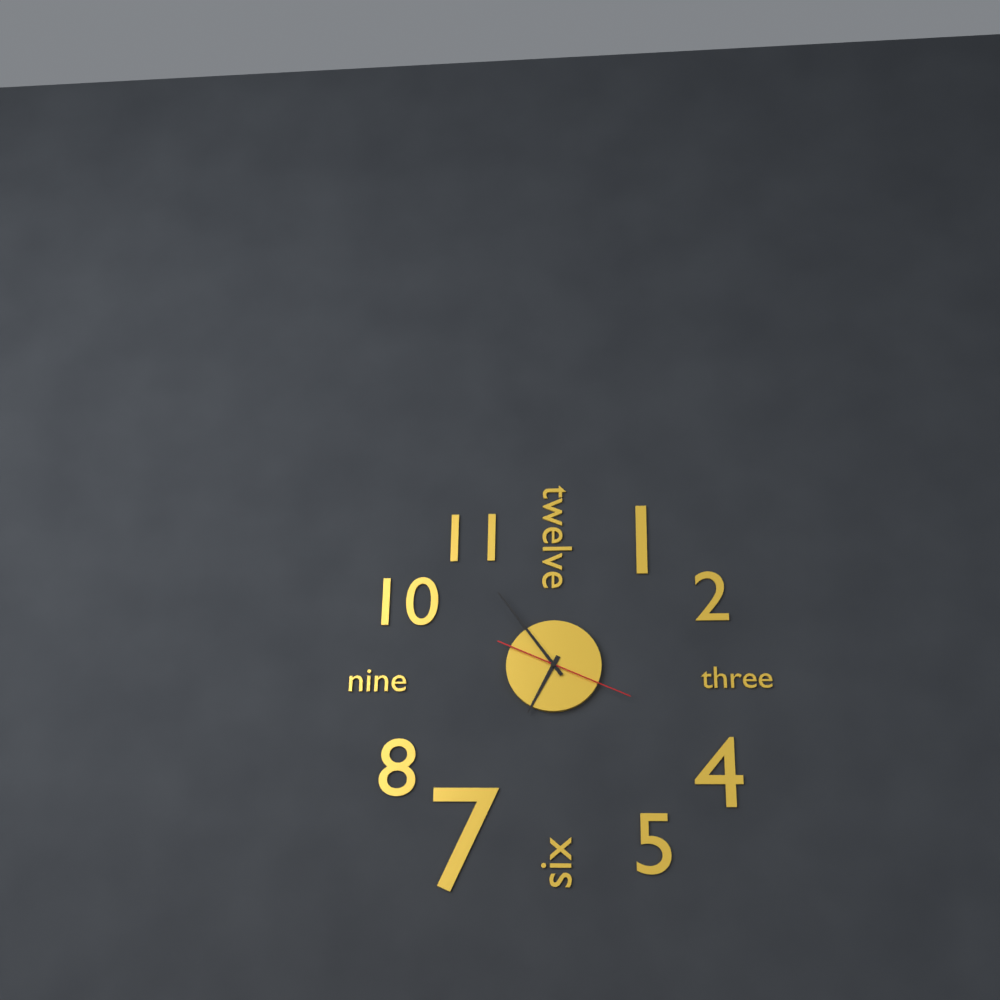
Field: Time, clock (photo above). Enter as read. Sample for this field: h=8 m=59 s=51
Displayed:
h=6 m=54 s=19
